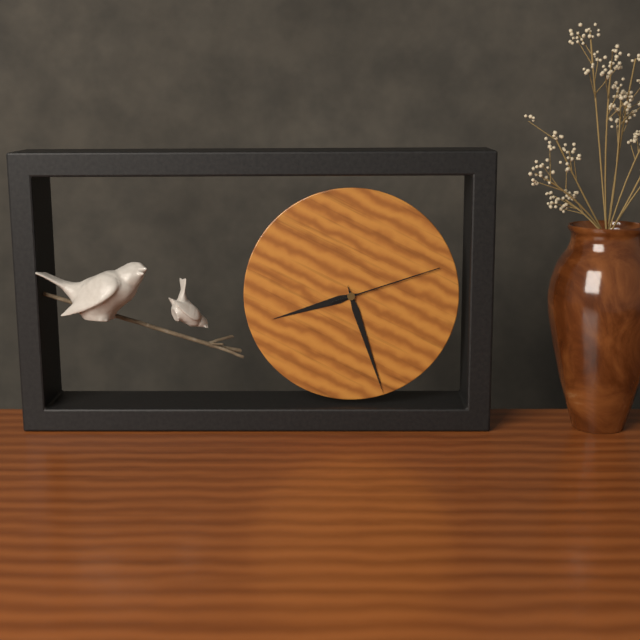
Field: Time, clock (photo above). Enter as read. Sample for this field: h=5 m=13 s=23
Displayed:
h=8 m=27 s=12
